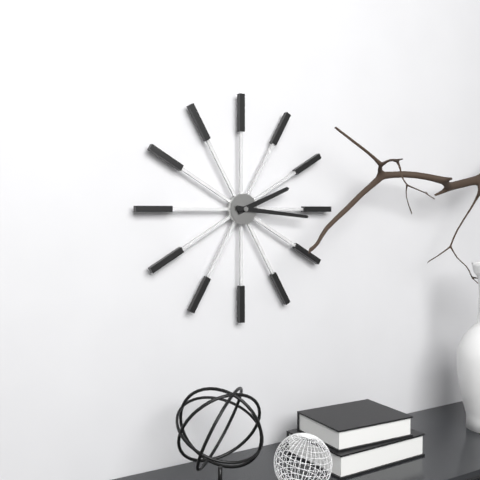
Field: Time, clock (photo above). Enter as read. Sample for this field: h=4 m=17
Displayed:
h=2 m=16
